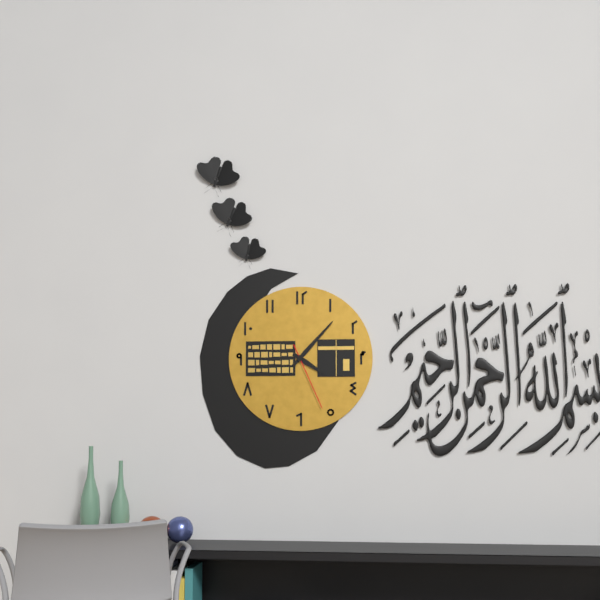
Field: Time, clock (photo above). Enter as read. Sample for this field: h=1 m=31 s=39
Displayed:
h=4 m=7 s=26
